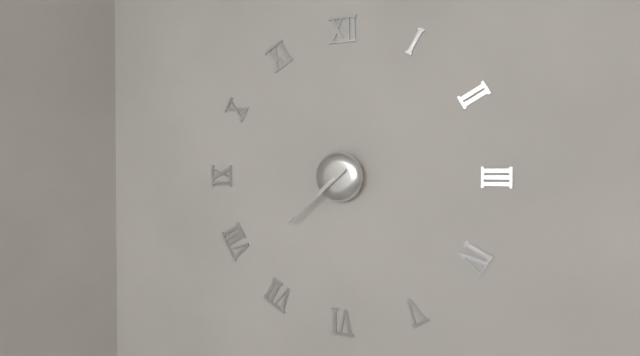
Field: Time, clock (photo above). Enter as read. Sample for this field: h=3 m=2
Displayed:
h=7 m=38
